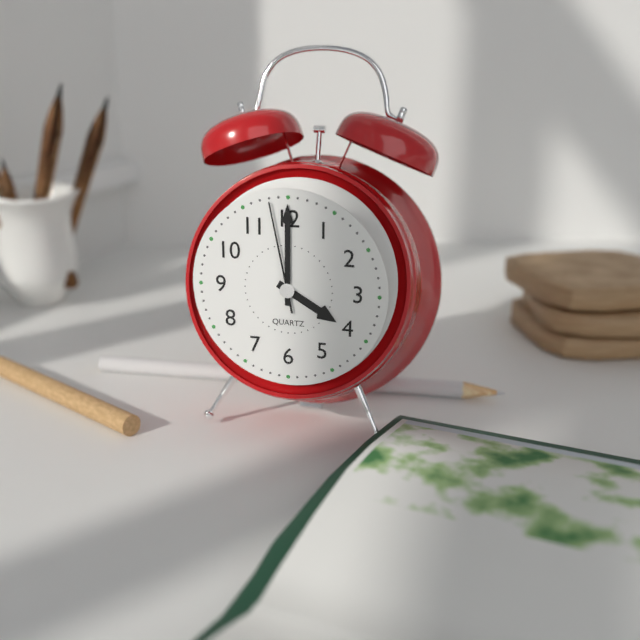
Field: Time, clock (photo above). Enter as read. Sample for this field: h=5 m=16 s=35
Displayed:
h=4 m=0 s=58
